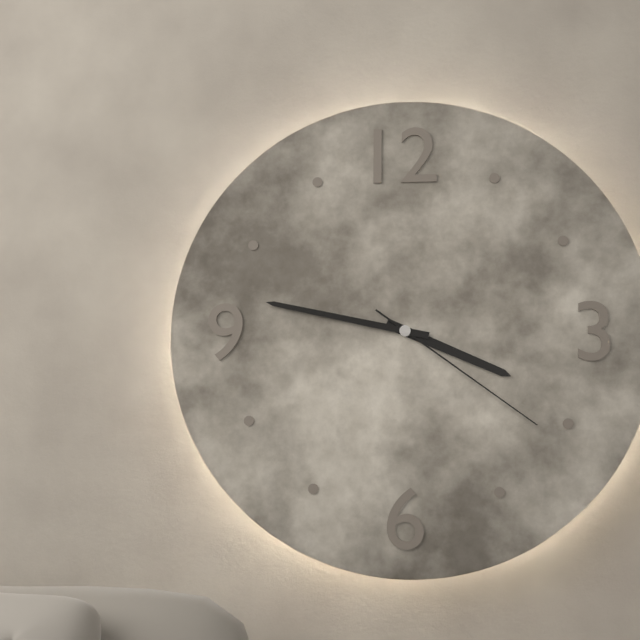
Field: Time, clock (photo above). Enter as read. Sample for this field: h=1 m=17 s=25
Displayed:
h=3 m=47 s=21
